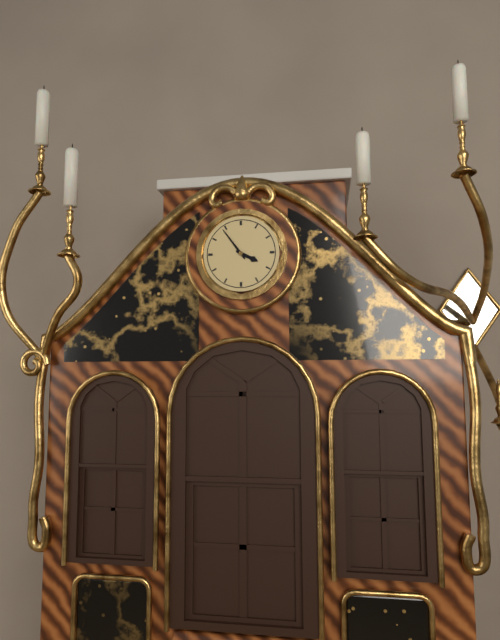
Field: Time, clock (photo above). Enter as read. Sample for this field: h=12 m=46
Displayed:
h=3 m=54
